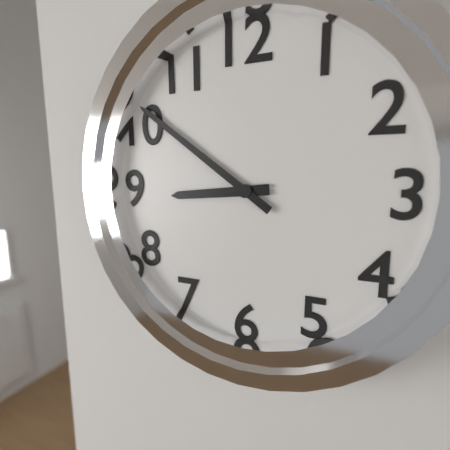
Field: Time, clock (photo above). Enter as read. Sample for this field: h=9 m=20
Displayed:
h=8 m=51
